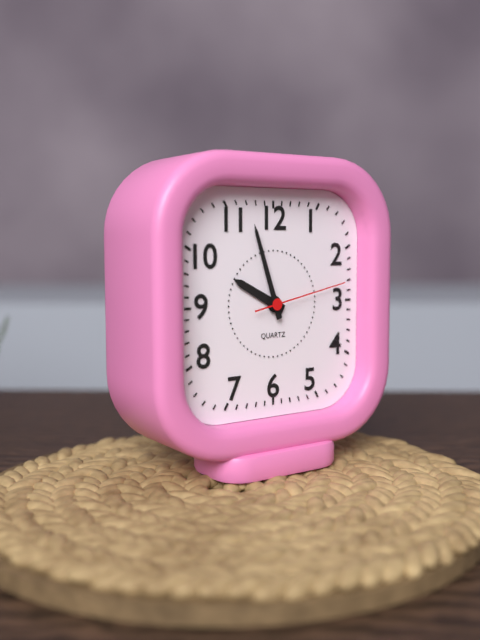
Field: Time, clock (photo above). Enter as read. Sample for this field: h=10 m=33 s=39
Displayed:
h=9 m=57 s=13
